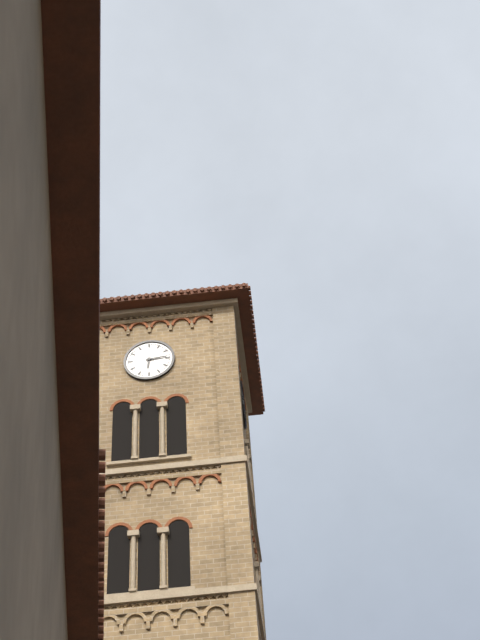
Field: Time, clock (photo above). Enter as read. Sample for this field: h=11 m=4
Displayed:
h=6 m=14
